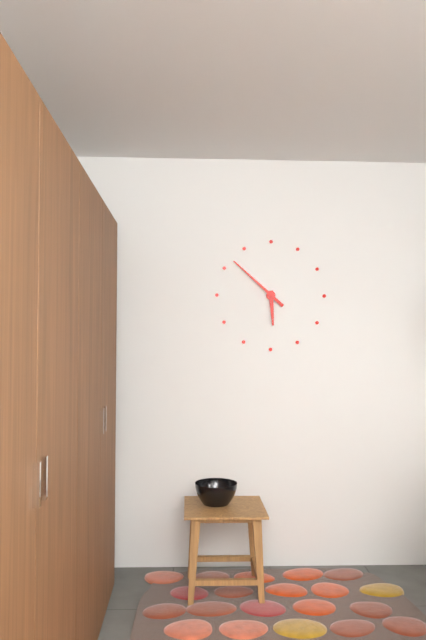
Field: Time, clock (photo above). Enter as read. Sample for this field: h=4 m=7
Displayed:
h=5 m=52
